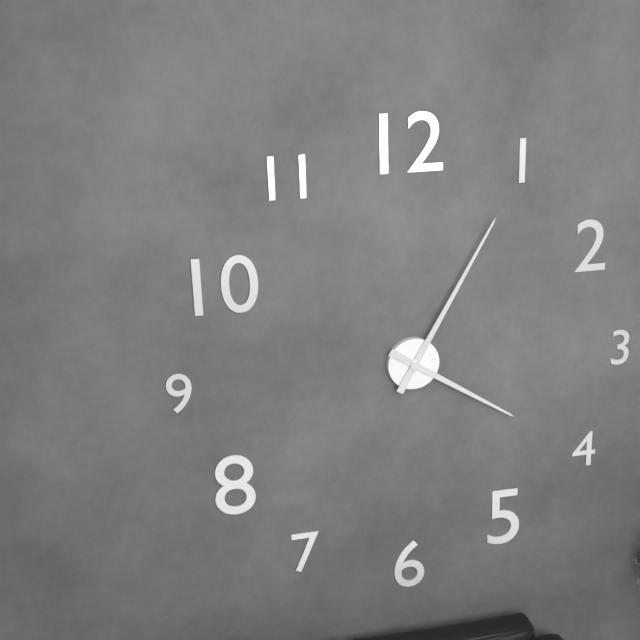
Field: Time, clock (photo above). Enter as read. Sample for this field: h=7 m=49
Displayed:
h=4 m=5
